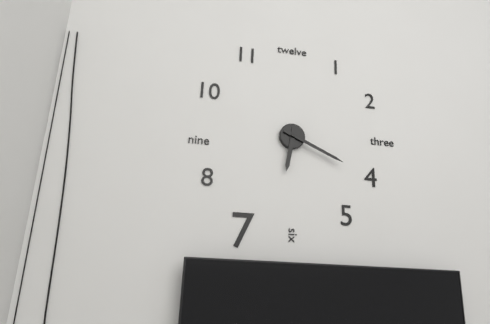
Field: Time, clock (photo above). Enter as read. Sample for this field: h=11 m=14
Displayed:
h=6 m=19
